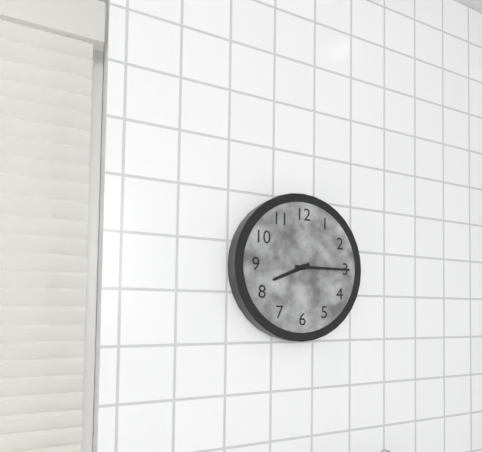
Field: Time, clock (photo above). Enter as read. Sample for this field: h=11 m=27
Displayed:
h=8 m=15
